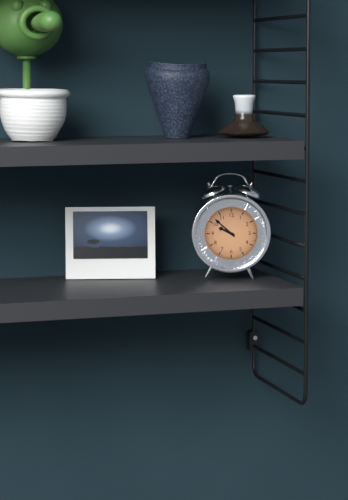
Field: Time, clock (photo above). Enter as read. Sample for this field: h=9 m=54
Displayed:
h=9 m=52
